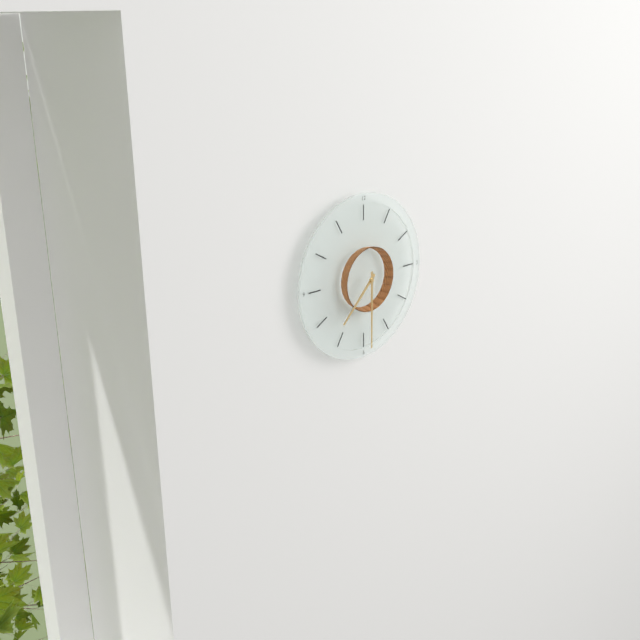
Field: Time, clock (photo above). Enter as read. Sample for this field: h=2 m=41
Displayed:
h=7 m=30
